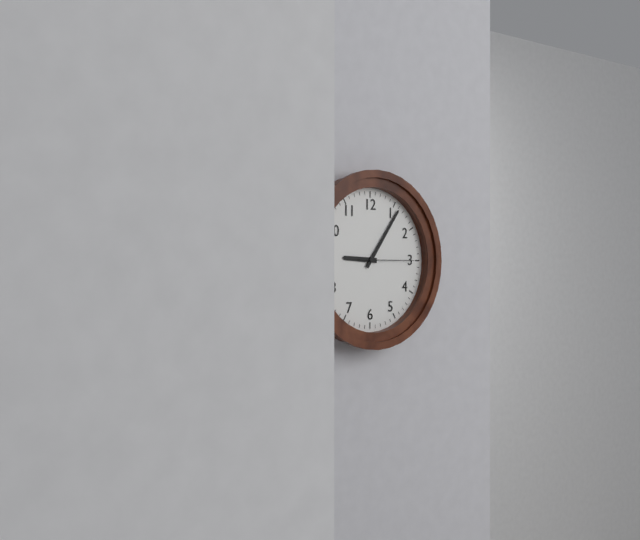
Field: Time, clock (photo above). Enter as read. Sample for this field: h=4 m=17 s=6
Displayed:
h=9 m=6 s=15
